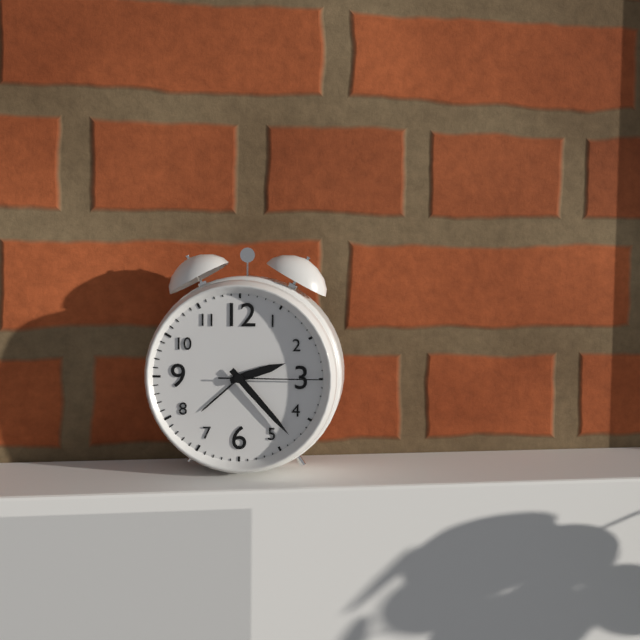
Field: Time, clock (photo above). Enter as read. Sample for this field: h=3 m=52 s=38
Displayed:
h=2 m=23 s=15
